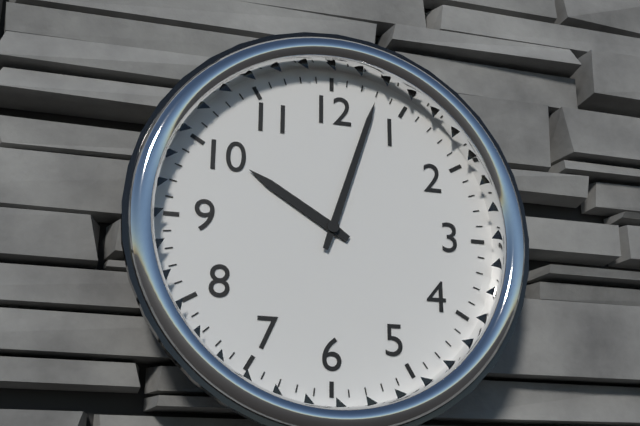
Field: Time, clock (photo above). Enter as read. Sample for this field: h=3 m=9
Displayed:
h=10 m=3
